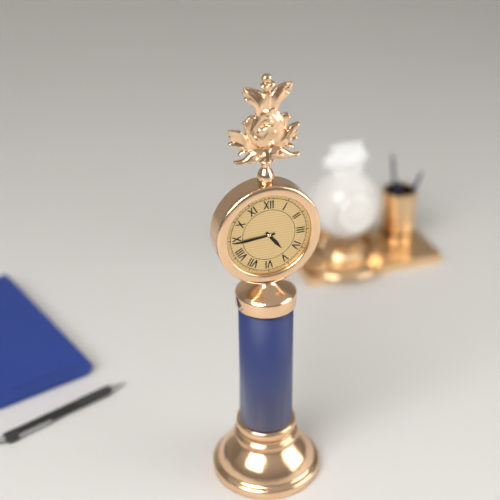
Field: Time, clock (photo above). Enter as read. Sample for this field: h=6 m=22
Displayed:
h=4 m=44
